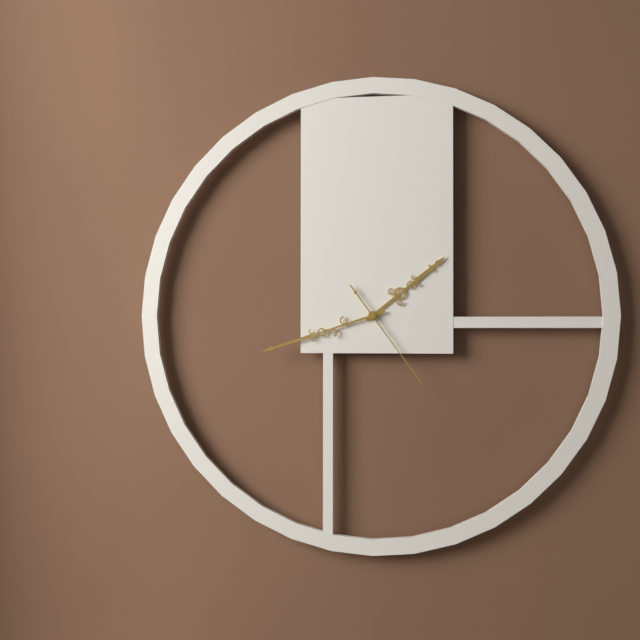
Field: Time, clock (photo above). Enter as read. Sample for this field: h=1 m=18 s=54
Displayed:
h=1 m=42 s=24
